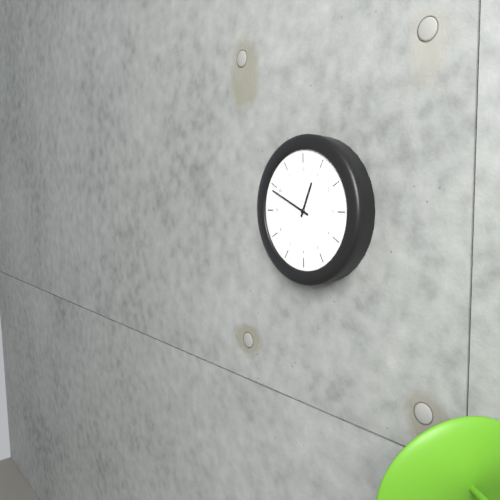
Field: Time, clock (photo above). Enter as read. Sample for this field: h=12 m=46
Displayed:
h=12 m=49
